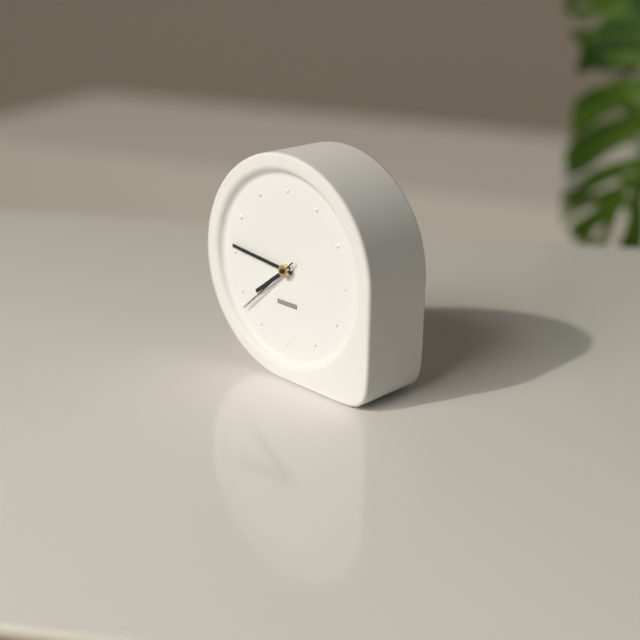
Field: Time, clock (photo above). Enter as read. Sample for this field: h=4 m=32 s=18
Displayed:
h=7 m=46 s=38
